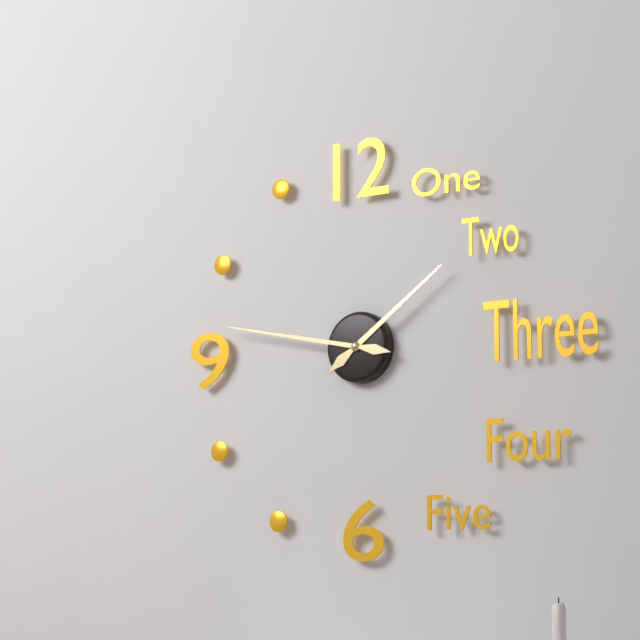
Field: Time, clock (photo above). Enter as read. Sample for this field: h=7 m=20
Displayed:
h=1 m=47
